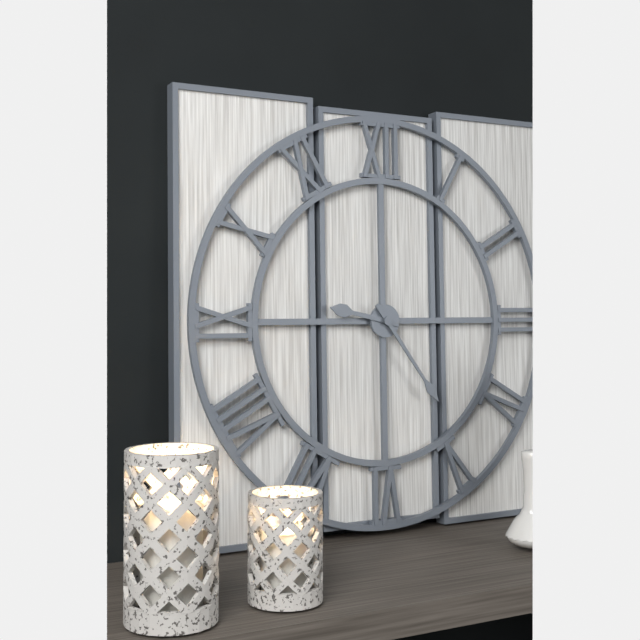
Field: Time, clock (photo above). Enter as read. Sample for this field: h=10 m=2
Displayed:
h=9 m=24
